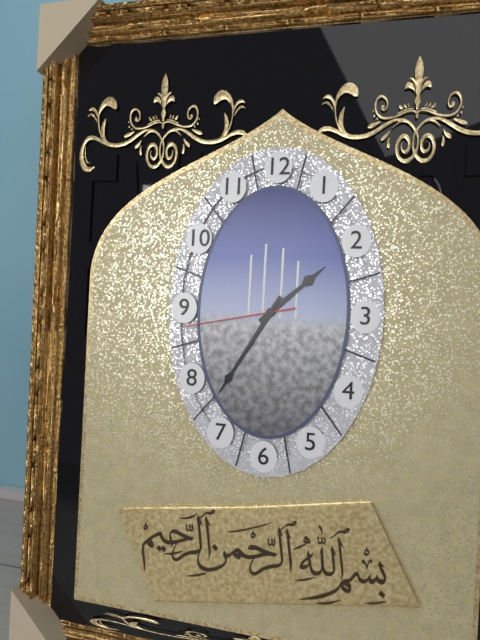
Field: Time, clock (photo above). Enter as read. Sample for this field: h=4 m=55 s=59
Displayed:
h=1 m=35 s=43
